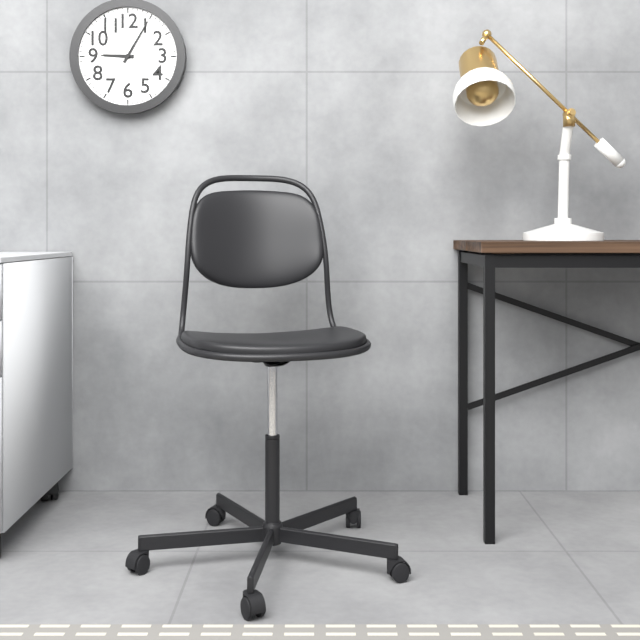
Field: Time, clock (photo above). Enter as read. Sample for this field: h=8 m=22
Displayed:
h=9 m=5
